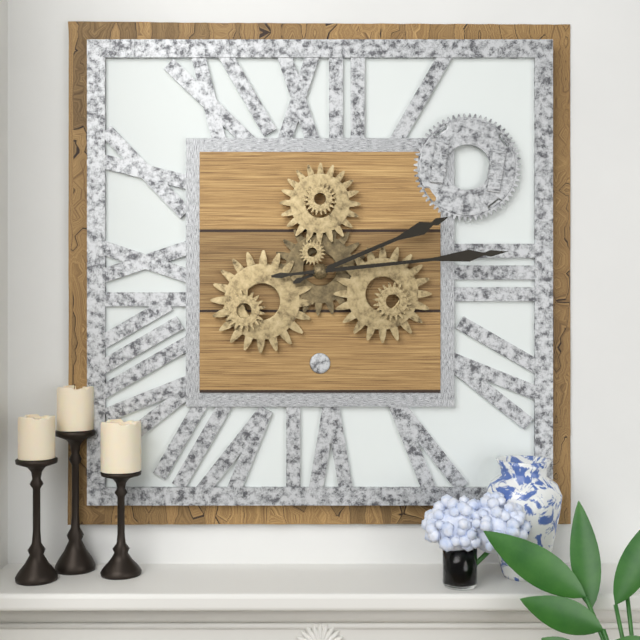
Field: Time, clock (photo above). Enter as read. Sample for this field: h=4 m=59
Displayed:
h=2 m=14
